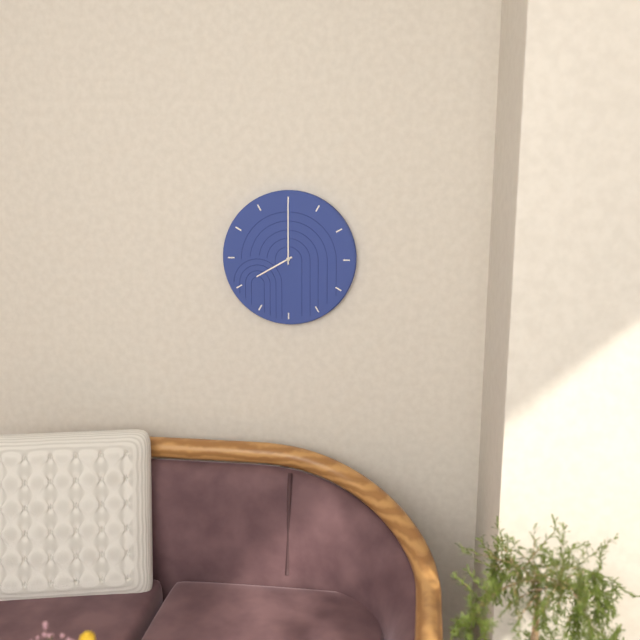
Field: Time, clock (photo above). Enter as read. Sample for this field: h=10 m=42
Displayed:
h=8 m=0
